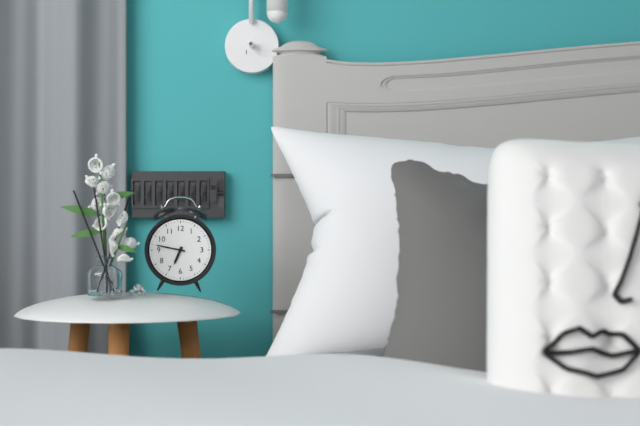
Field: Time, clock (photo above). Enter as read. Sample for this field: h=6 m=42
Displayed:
h=6 m=47
